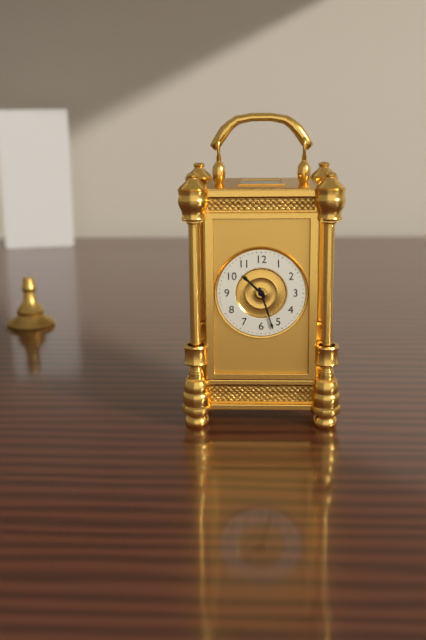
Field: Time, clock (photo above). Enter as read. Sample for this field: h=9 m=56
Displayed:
h=10 m=27
